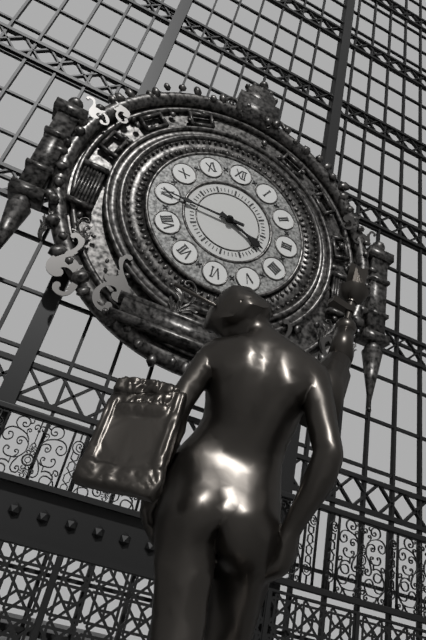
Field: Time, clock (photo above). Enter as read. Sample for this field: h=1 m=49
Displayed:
h=3 m=45
